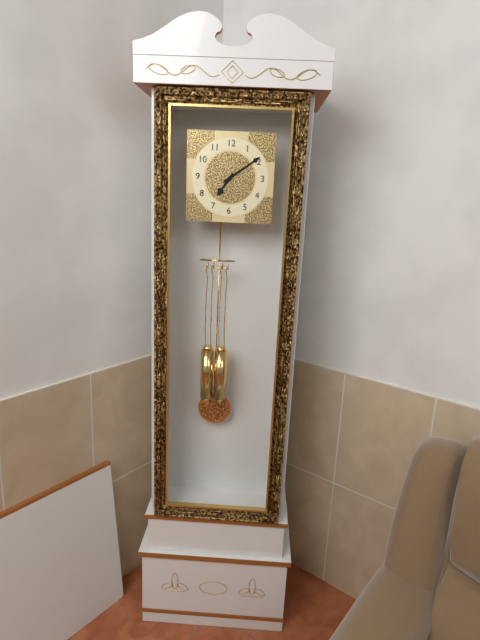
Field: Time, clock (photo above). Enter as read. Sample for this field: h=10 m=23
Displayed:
h=7 m=9
